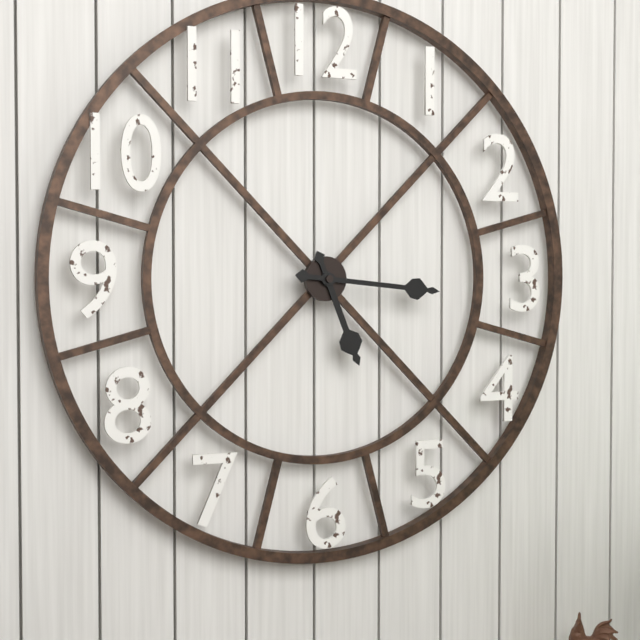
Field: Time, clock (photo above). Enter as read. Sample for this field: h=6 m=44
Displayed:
h=5 m=16
